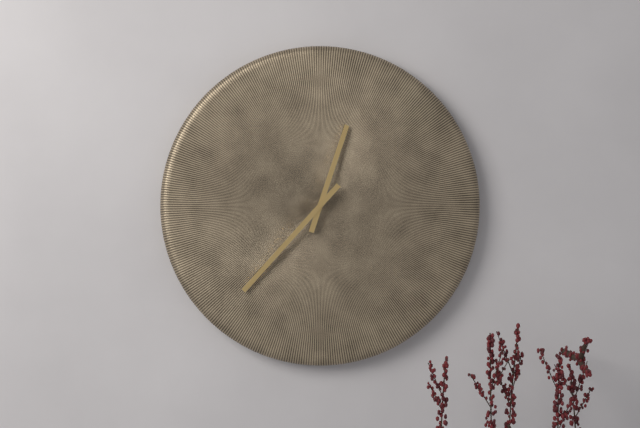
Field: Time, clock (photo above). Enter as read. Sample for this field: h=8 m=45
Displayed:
h=12 m=37
